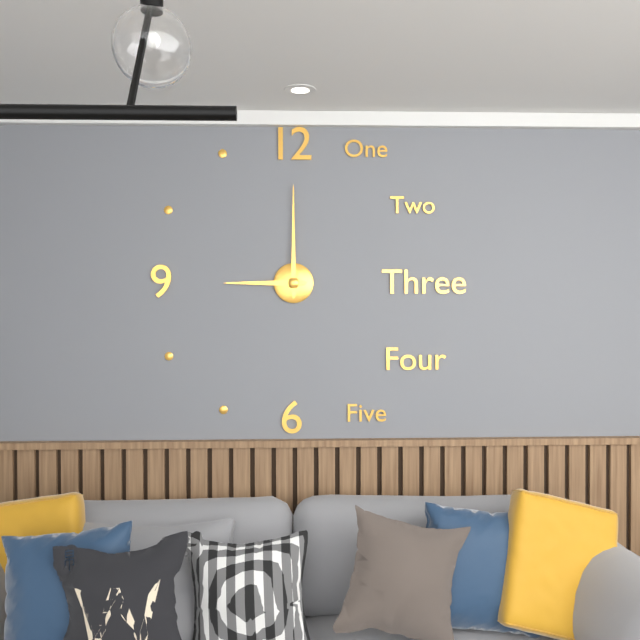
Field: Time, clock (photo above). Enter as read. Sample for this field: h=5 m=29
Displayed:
h=9 m=0
